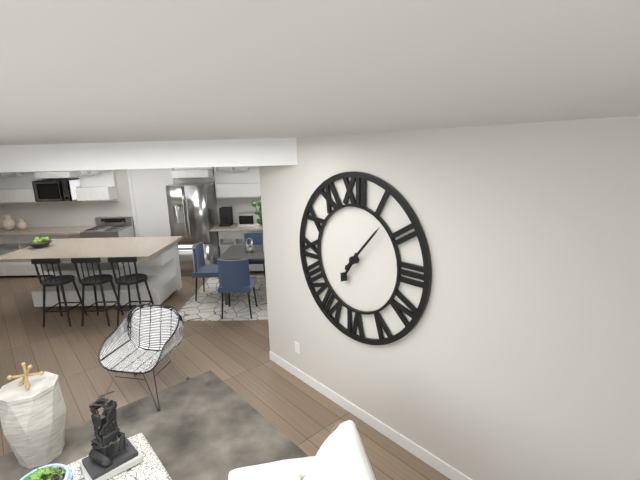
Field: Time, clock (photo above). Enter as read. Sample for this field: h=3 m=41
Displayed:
h=7 m=7
